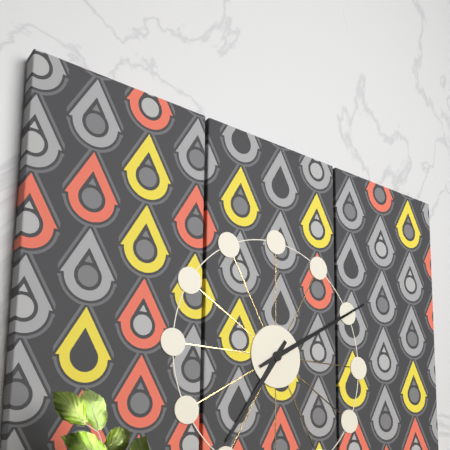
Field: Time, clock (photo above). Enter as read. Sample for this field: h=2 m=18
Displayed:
h=7 m=10
